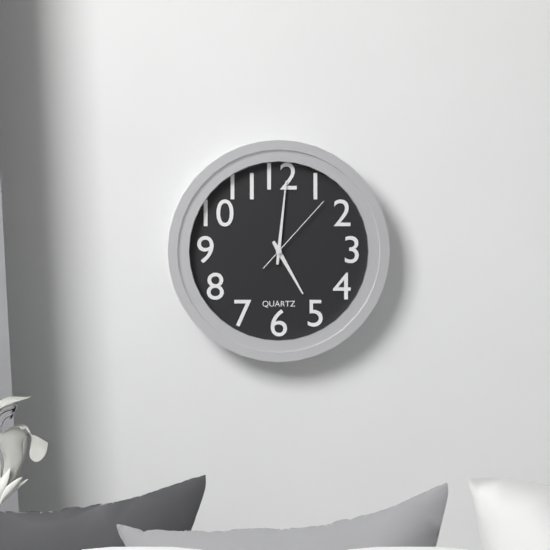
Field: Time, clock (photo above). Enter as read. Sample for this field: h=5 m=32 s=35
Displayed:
h=5 m=1 s=7
